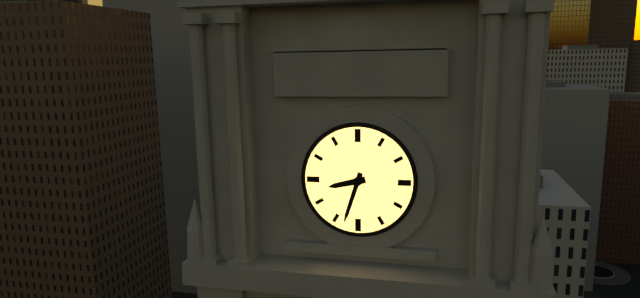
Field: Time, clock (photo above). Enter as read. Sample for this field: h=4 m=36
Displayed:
h=8 m=33
